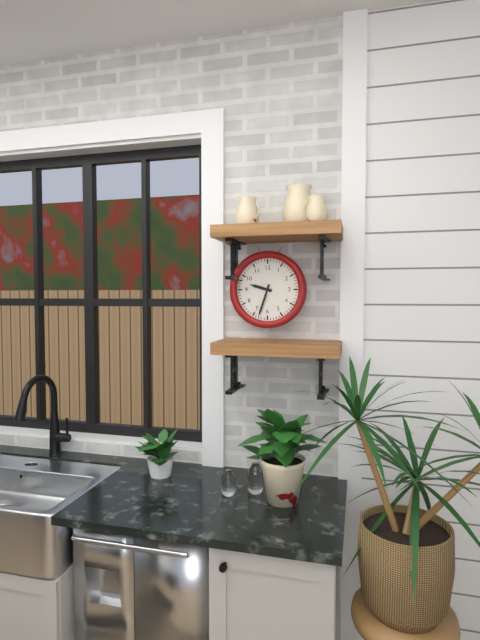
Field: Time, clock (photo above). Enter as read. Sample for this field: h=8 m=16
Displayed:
h=9 m=33
